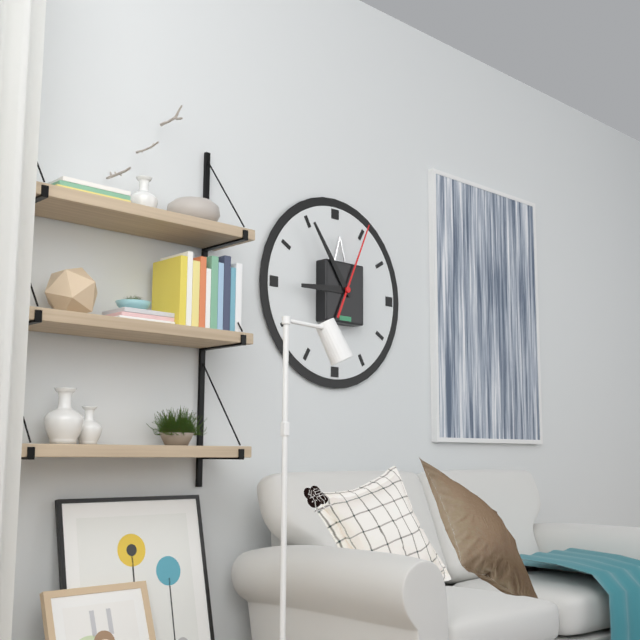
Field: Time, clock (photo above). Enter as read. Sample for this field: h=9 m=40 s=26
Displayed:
h=8 m=54 s=4
